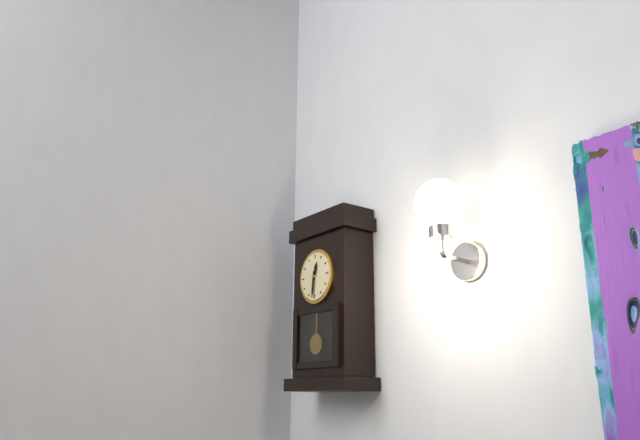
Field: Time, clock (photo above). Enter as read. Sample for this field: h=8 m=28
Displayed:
h=12 m=31
